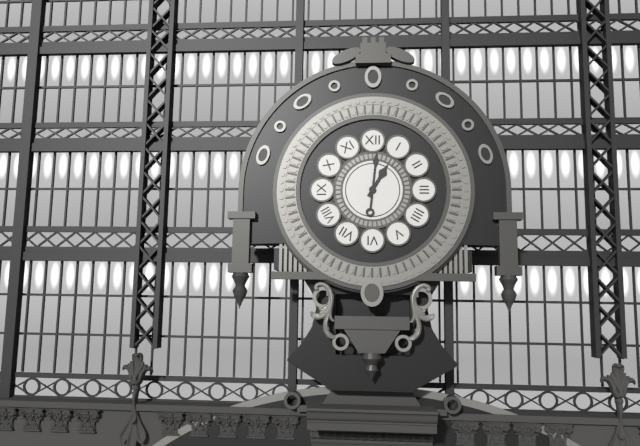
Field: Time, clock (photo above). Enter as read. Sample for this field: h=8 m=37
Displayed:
h=1 m=1
